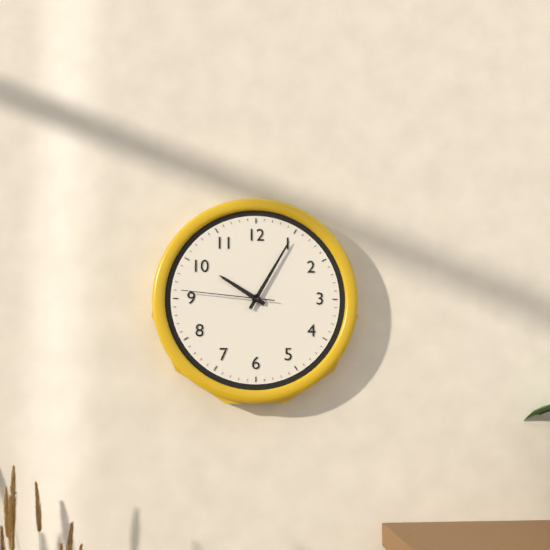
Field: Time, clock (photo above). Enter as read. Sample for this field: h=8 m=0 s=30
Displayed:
h=10 m=5 s=46
